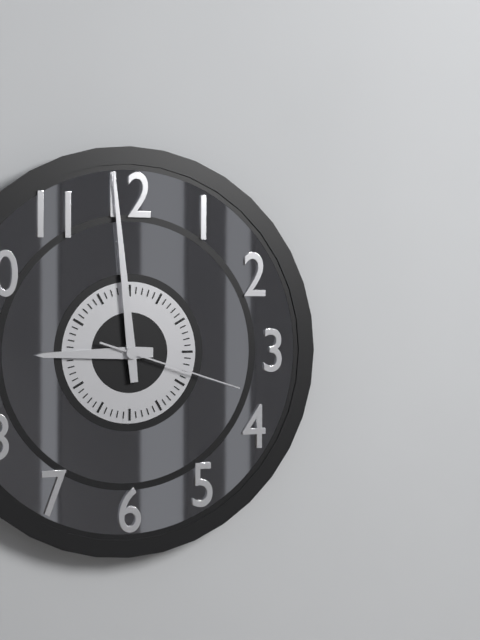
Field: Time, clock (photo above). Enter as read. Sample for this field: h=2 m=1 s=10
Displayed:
h=8 m=59 s=18
